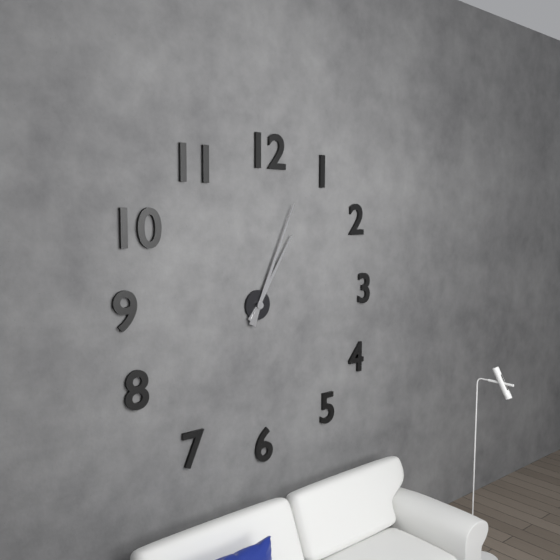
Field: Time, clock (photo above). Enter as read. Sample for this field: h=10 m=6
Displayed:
h=1 m=4
